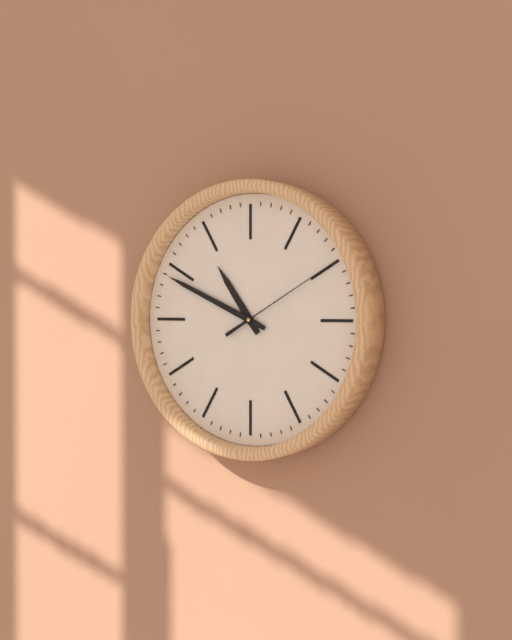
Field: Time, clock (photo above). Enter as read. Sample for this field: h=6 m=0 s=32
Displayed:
h=10 m=49 s=10
